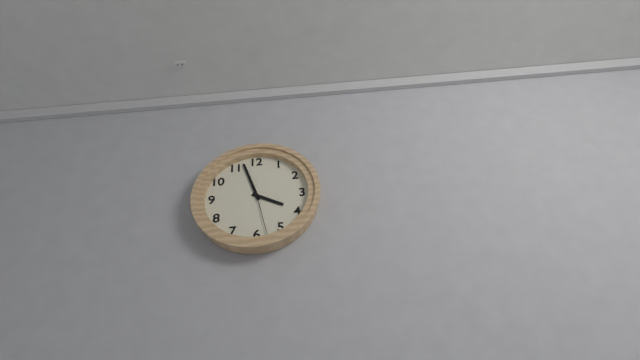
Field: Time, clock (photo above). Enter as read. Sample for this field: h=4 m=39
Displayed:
h=3 m=57
